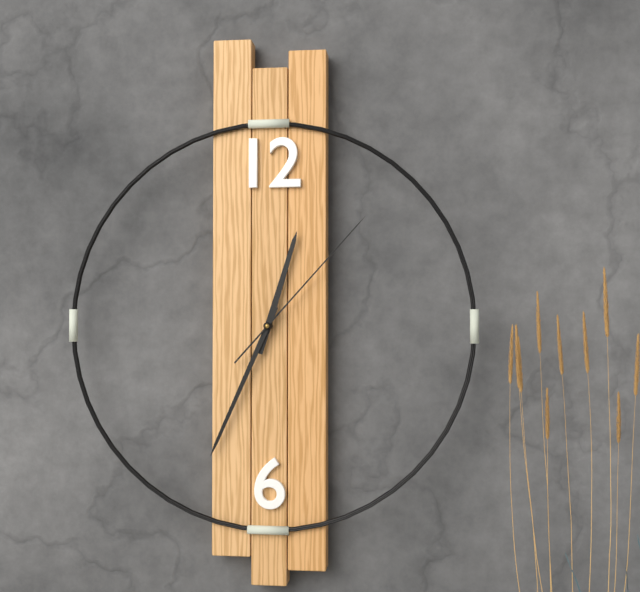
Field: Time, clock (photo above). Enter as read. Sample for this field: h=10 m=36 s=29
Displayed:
h=12 m=34 s=7
